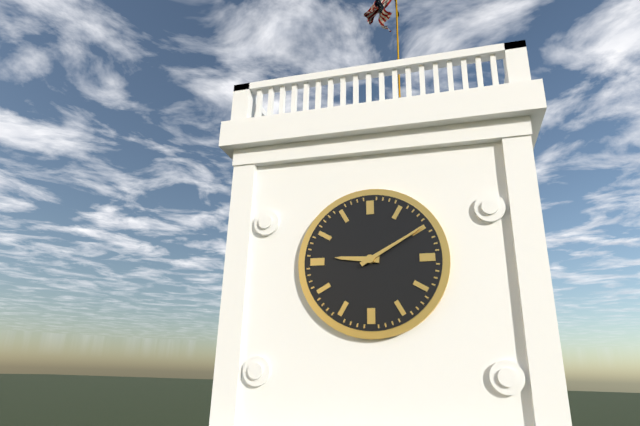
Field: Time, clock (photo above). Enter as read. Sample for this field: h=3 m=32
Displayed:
h=9 m=10
